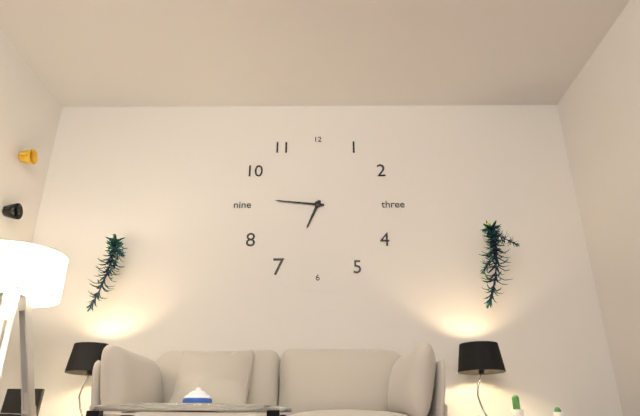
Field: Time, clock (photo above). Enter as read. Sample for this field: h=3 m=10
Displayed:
h=6 m=46
